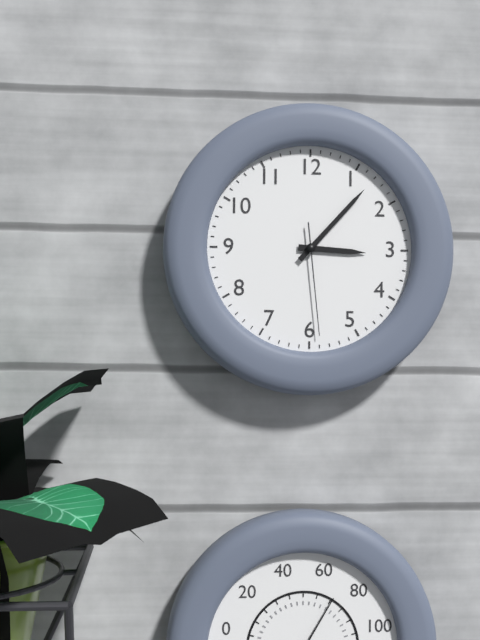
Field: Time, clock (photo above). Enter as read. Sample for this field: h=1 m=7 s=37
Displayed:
h=3 m=7 s=29
